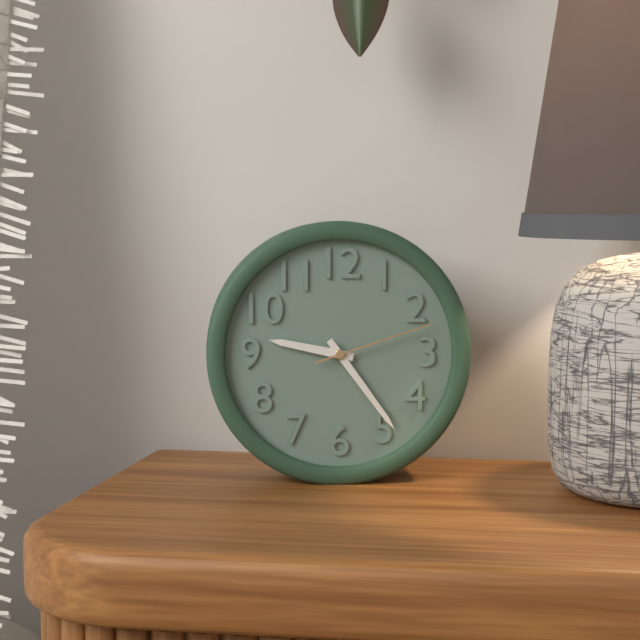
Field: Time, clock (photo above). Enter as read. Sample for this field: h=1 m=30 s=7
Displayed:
h=9 m=24 s=12
